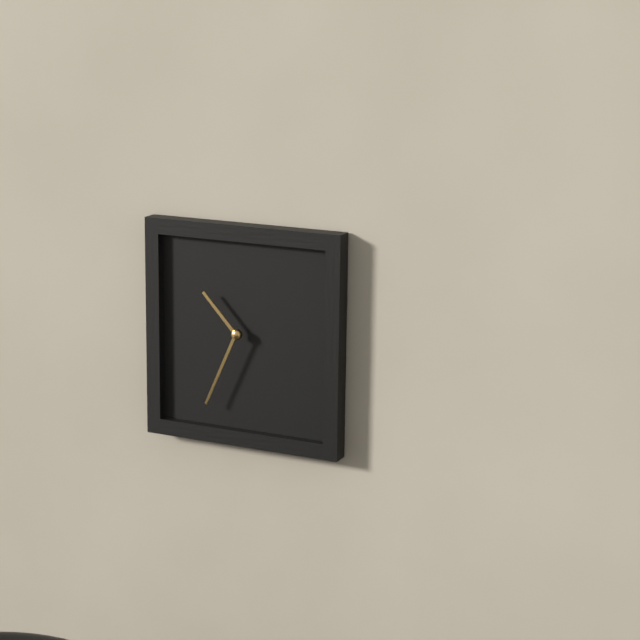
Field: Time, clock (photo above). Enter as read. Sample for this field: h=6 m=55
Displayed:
h=10 m=34
